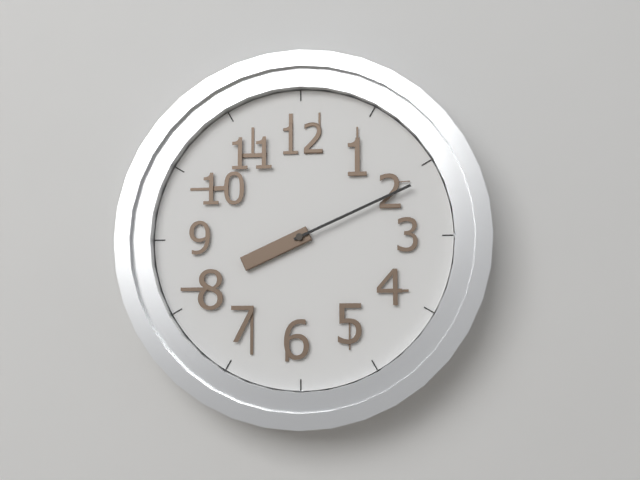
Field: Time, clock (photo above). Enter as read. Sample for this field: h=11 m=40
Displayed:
h=8 m=11
